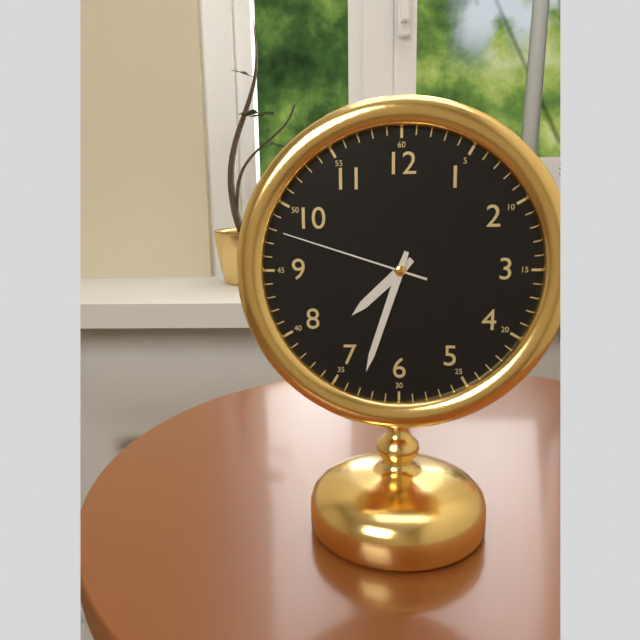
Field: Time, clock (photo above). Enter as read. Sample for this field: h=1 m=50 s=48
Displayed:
h=7 m=33 s=48
